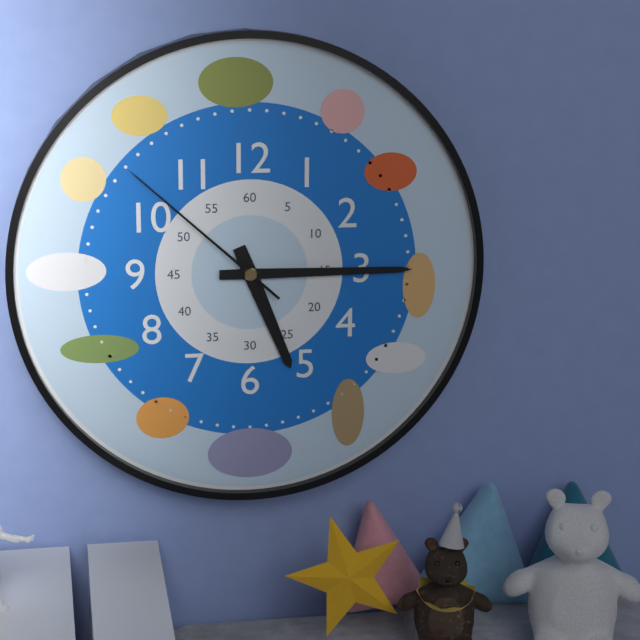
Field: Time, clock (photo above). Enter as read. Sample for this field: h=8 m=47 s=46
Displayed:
h=5 m=15 s=52
